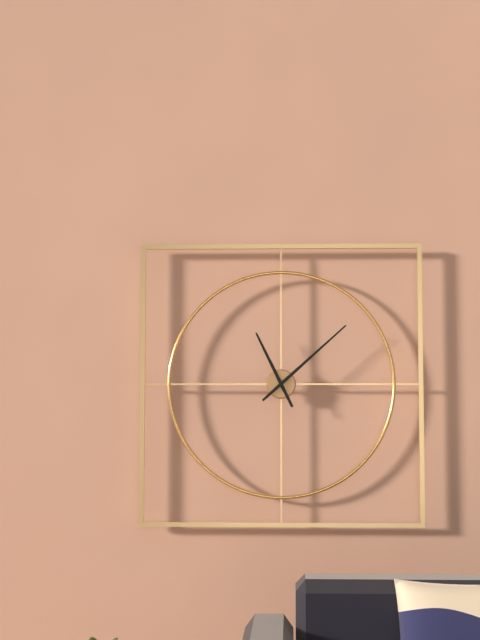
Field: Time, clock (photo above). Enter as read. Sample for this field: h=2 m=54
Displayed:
h=11 m=8
